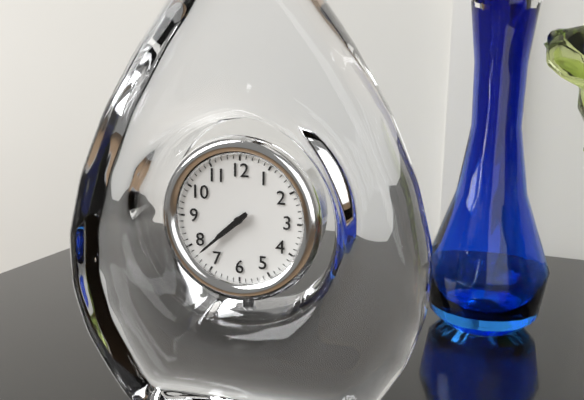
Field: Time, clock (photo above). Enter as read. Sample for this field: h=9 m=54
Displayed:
h=7 m=38
